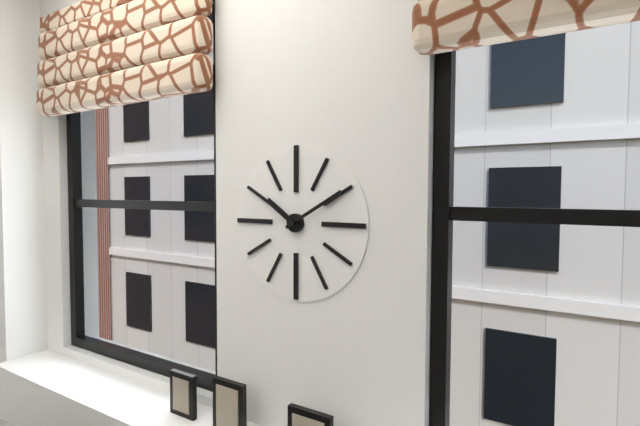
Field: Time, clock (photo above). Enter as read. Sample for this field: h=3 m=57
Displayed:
h=10 m=10
